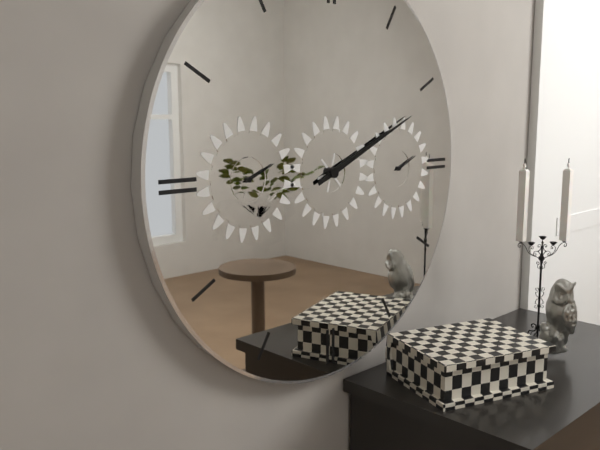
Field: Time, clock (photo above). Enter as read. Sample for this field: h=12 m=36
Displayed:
h=2 m=11
